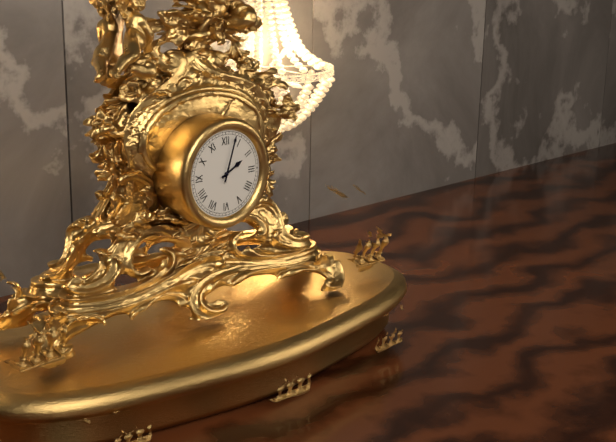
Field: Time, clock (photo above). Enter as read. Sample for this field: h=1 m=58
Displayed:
h=2 m=3
